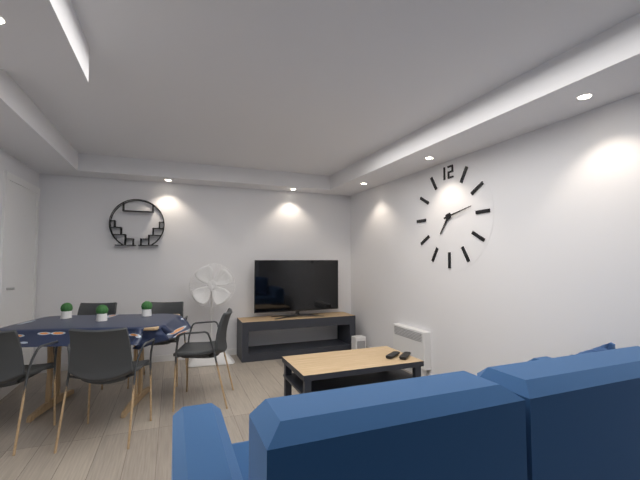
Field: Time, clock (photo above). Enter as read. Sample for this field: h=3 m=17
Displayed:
h=7 m=13
